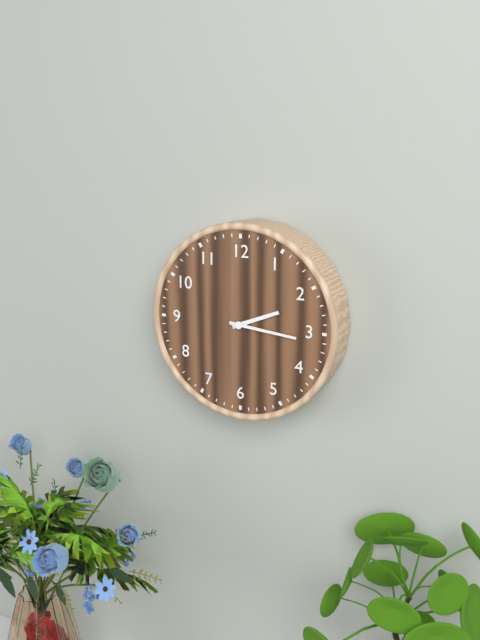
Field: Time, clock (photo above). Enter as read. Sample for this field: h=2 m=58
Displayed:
h=2 m=16
